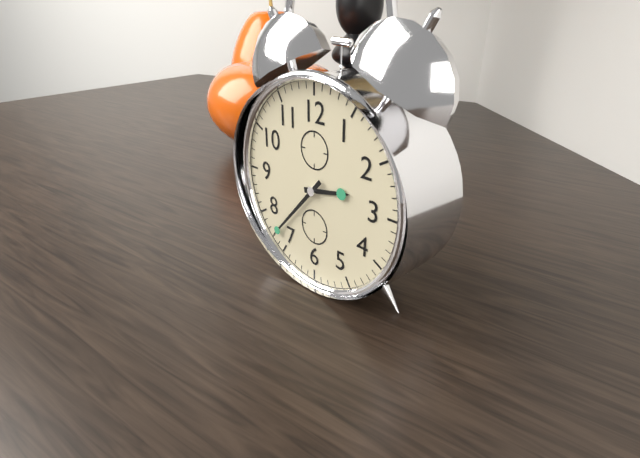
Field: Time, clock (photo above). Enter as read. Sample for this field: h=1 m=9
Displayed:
h=2 m=37
